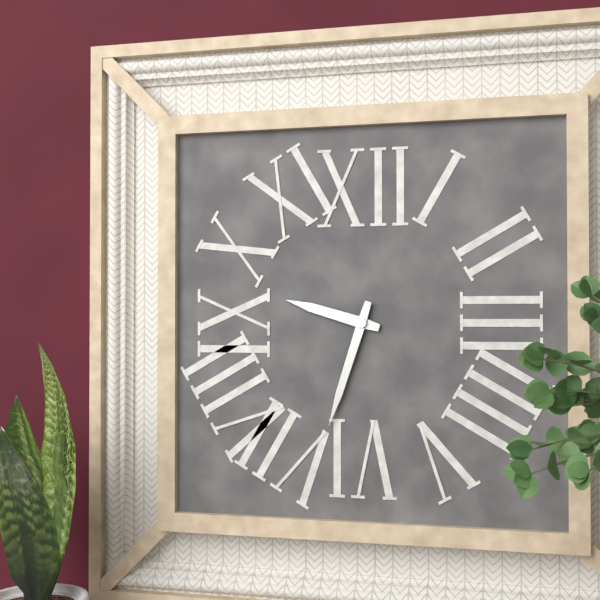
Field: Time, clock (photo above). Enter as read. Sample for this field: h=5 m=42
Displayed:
h=9 m=33
